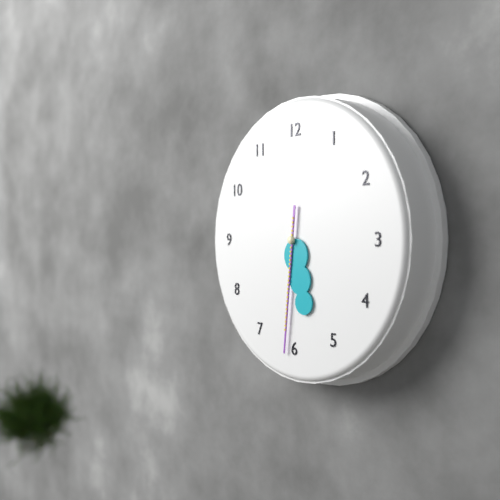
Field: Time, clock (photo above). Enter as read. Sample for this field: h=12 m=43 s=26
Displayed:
h=5 m=31 s=31
